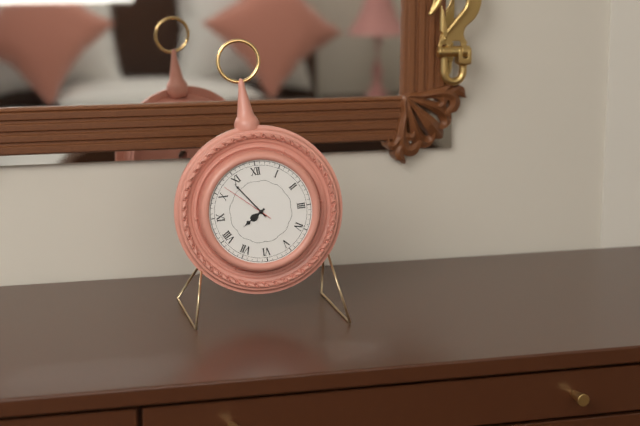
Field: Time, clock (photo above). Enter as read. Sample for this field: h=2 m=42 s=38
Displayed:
h=7 m=54 s=52
